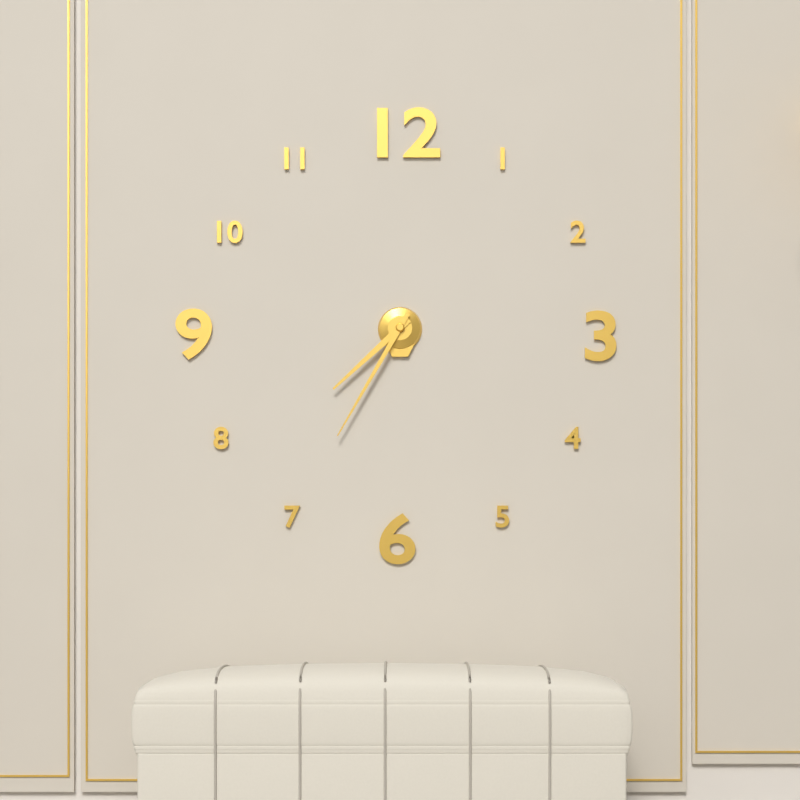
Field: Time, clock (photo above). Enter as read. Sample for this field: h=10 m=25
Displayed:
h=7 m=35
